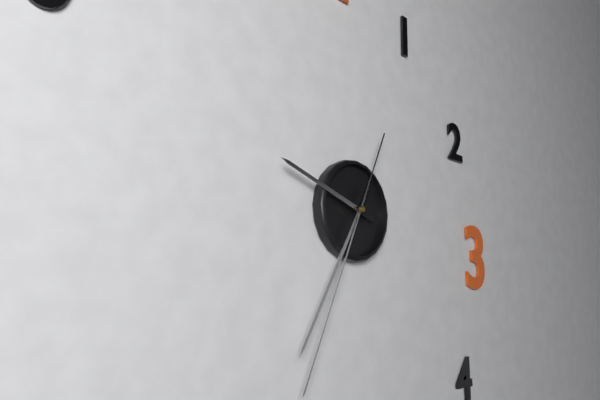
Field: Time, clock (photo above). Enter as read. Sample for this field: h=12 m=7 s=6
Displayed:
h=9 m=35 s=34
